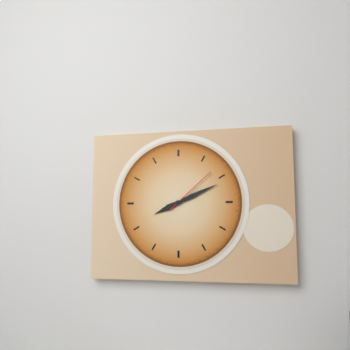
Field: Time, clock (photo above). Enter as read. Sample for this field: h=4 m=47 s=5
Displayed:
h=8 m=11 s=8
